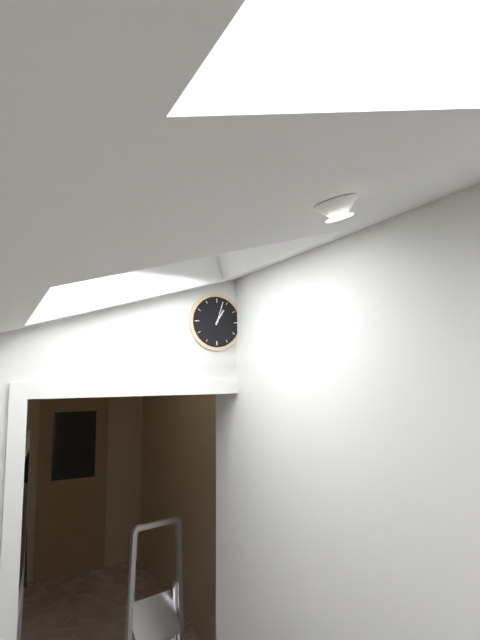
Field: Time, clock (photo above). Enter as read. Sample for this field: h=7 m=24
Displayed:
h=1 m=3
